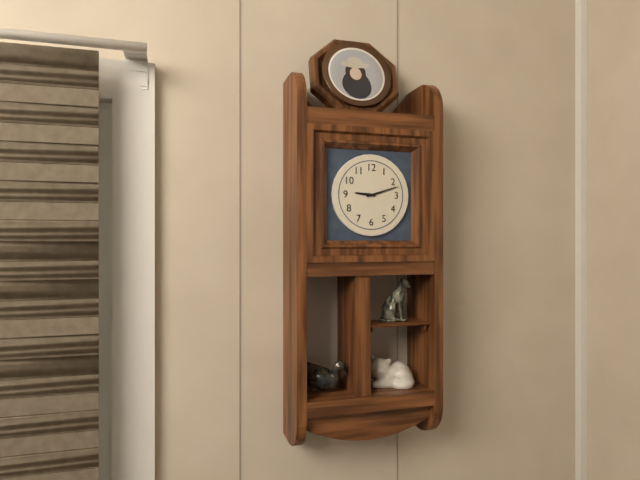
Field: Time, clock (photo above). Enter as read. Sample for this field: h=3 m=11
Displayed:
h=9 m=12
